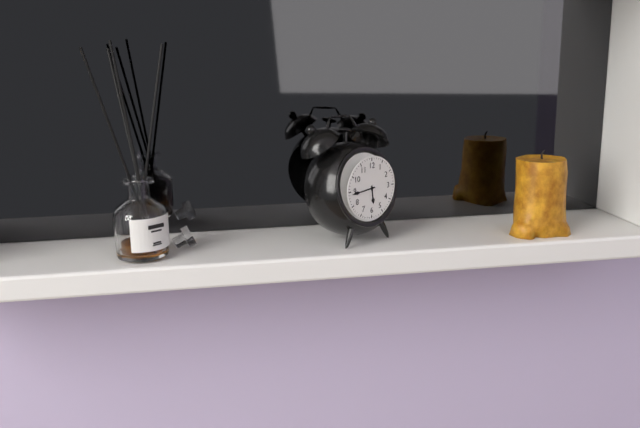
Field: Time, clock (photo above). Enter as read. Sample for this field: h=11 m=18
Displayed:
h=5 m=44
